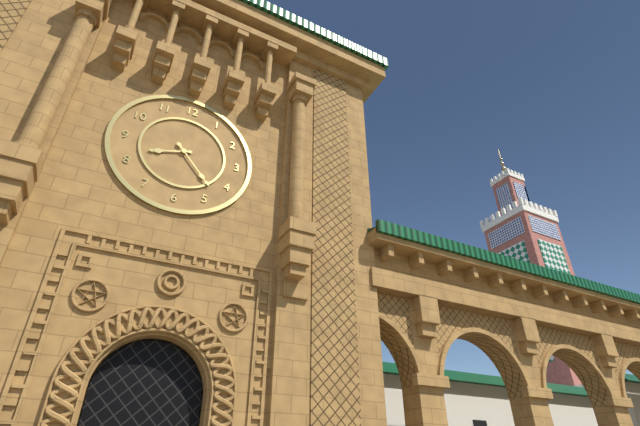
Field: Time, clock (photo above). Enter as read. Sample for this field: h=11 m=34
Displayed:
h=8 m=23
